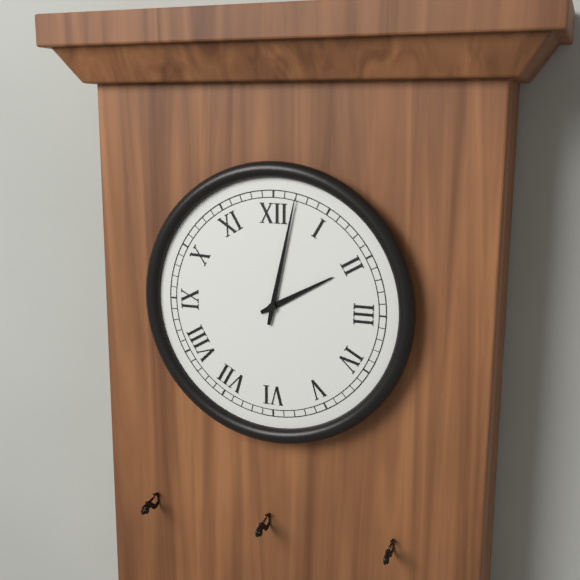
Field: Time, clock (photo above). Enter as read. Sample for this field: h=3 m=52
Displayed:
h=2 m=2
